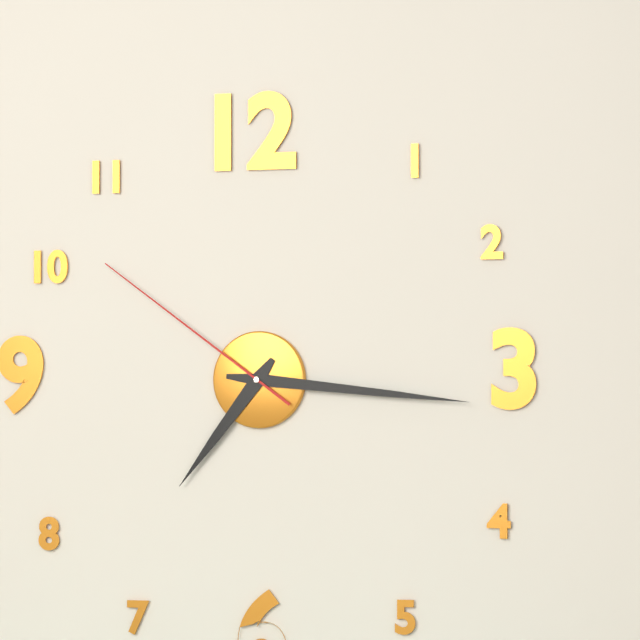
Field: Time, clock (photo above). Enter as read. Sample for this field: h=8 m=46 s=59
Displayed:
h=7 m=16 s=51
